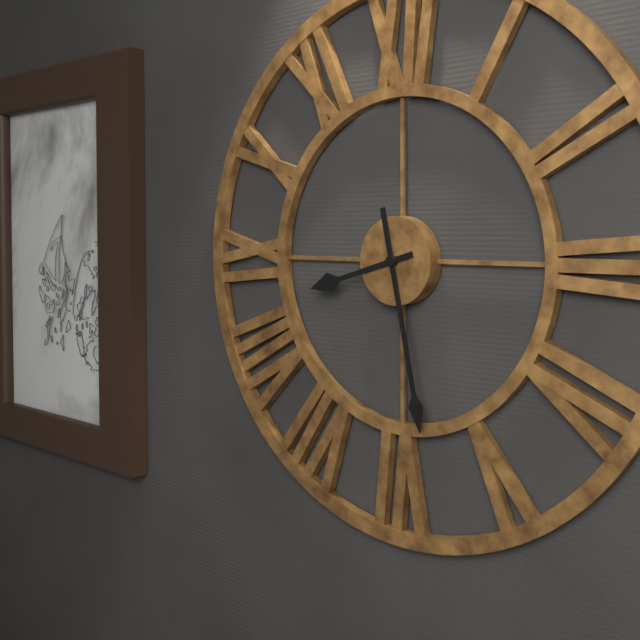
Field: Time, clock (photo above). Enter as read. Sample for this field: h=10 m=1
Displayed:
h=8 m=28
